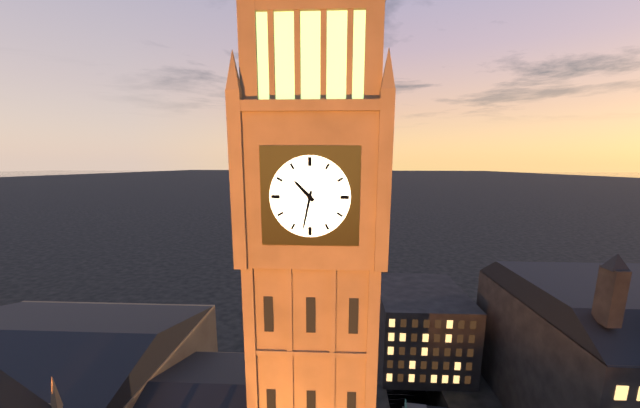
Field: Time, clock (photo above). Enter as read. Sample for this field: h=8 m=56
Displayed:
h=10 m=32
